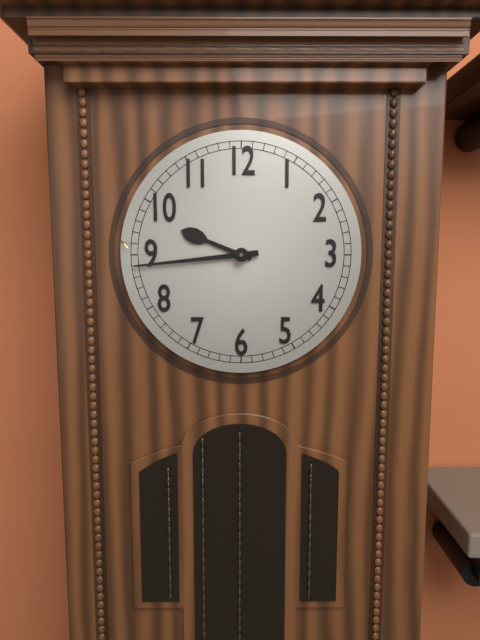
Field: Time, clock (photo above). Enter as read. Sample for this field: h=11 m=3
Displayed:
h=9 m=44
